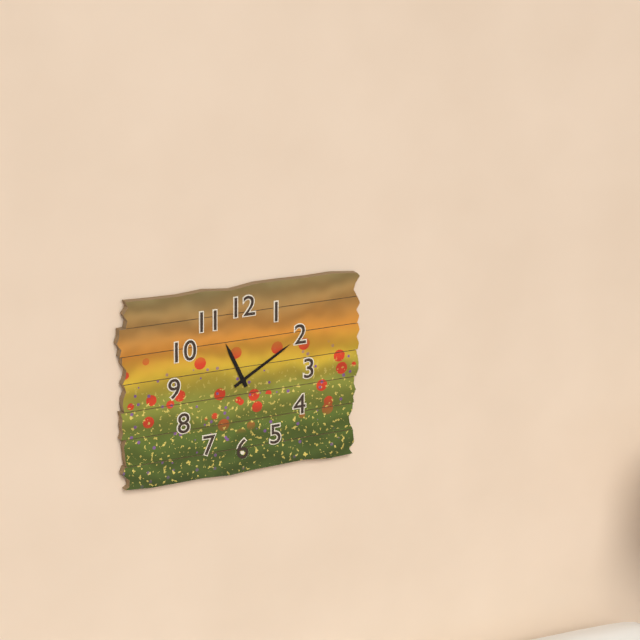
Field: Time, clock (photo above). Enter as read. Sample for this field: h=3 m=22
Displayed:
h=11 m=10
